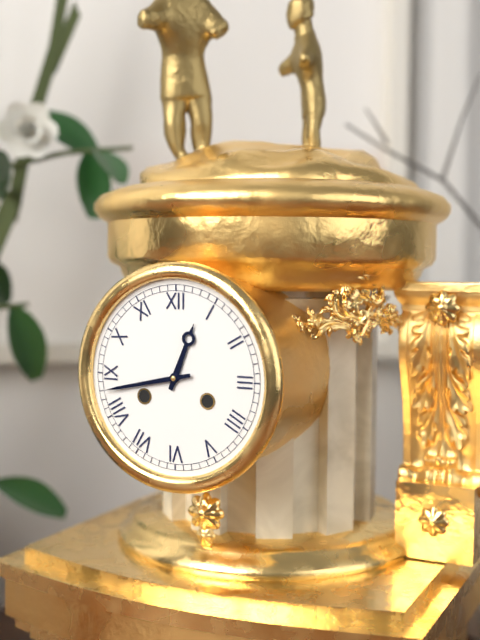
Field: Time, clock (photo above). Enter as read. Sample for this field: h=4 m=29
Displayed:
h=12 m=43
